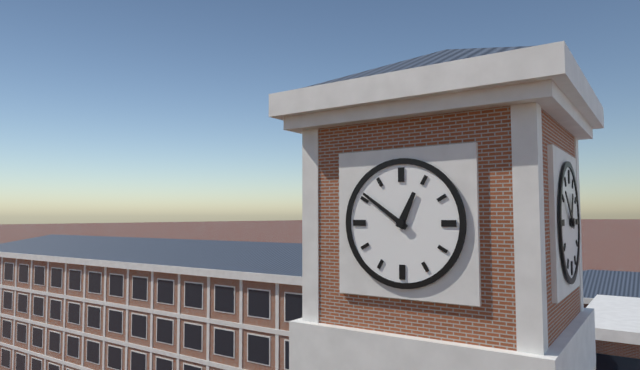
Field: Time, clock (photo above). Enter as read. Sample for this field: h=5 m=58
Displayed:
h=12 m=51
